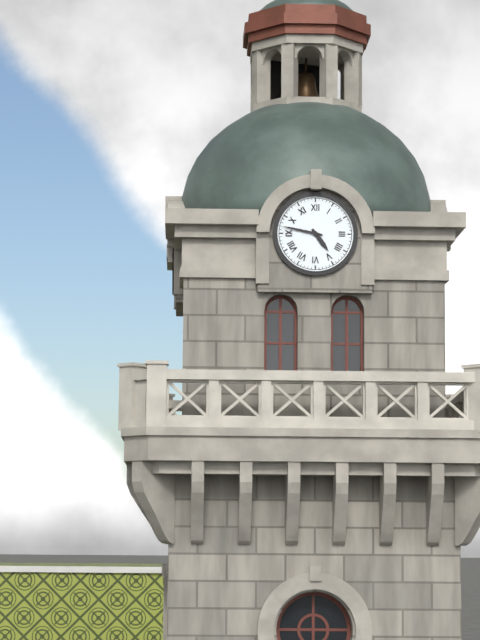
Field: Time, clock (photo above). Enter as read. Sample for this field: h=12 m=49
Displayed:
h=4 m=47
